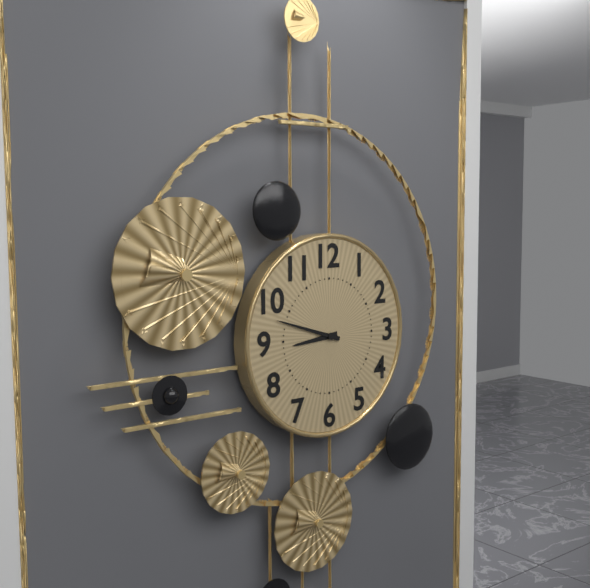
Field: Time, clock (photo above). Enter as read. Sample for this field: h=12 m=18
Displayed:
h=8 m=48
